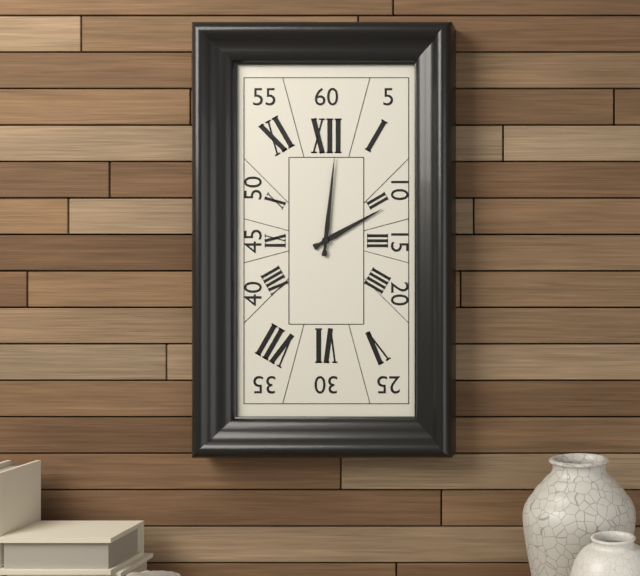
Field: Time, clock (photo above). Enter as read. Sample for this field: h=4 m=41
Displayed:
h=2 m=1
